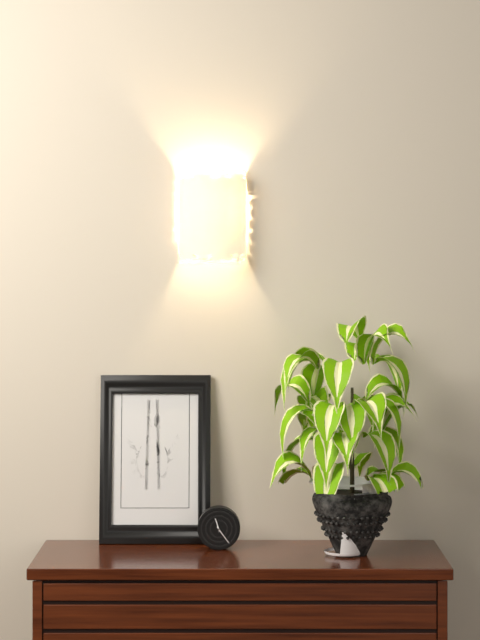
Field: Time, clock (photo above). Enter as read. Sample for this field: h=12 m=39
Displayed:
h=11 m=24
